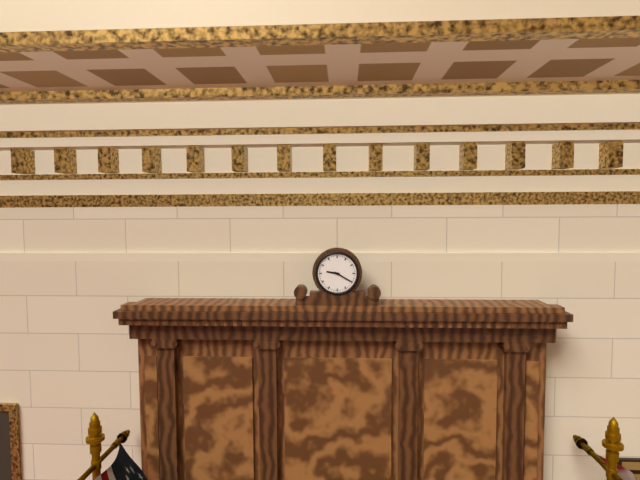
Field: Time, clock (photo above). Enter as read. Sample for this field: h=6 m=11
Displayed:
h=9 m=20
